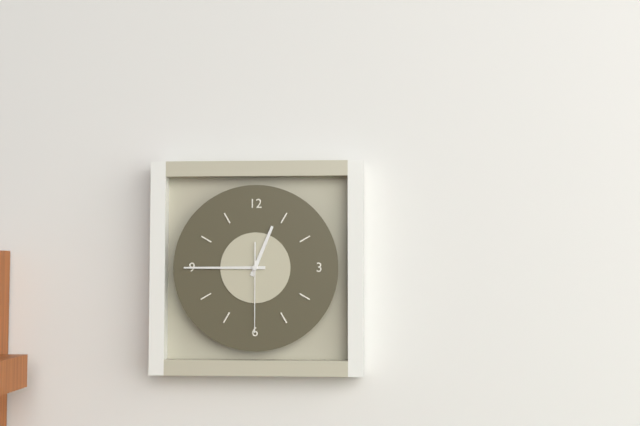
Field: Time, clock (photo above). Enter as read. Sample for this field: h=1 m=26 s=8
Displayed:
h=12 m=45 s=30
